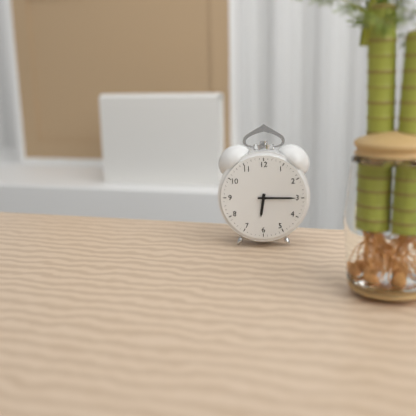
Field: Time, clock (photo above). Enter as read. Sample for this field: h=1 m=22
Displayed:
h=6 m=15
